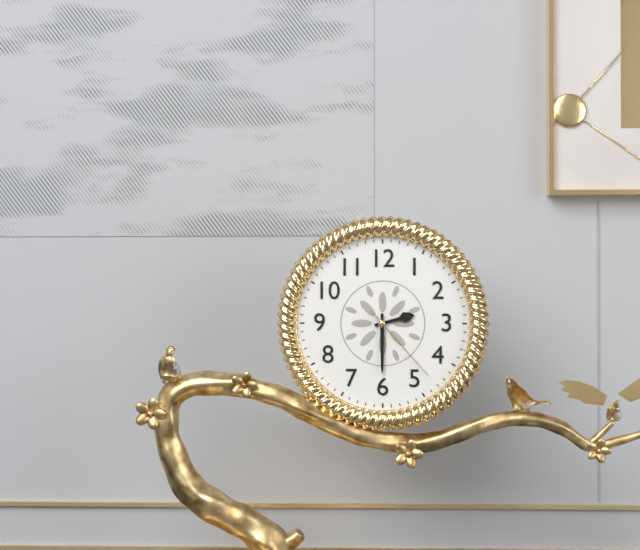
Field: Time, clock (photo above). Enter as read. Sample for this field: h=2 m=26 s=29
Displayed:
h=2 m=30 s=23
